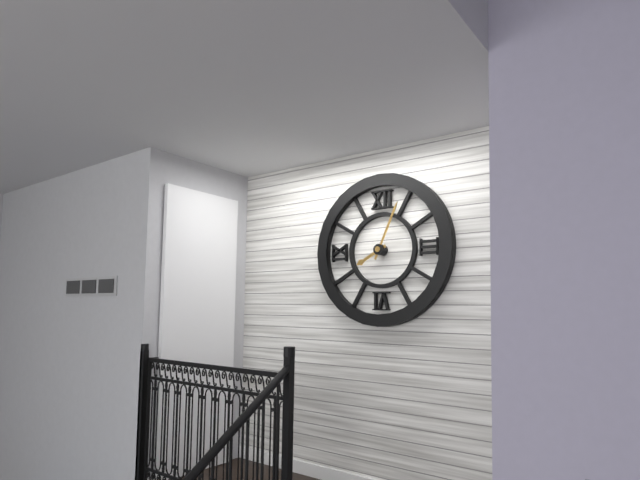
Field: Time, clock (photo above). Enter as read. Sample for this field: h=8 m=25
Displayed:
h=8 m=4
